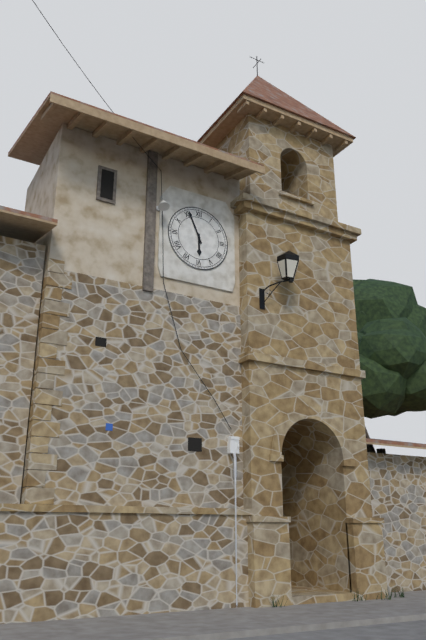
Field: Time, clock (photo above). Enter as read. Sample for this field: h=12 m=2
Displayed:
h=5 m=56
